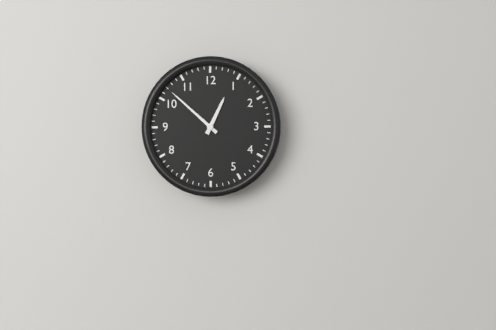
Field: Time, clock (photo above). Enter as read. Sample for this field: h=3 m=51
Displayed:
h=12 m=52
